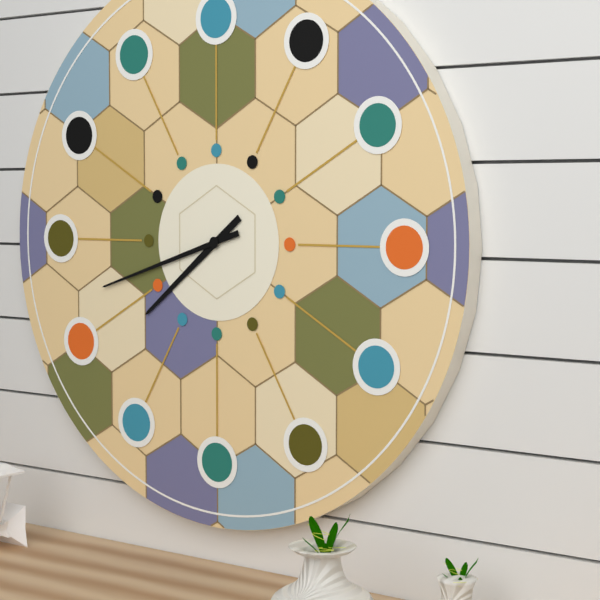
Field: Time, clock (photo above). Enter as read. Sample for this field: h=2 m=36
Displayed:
h=7 m=42
